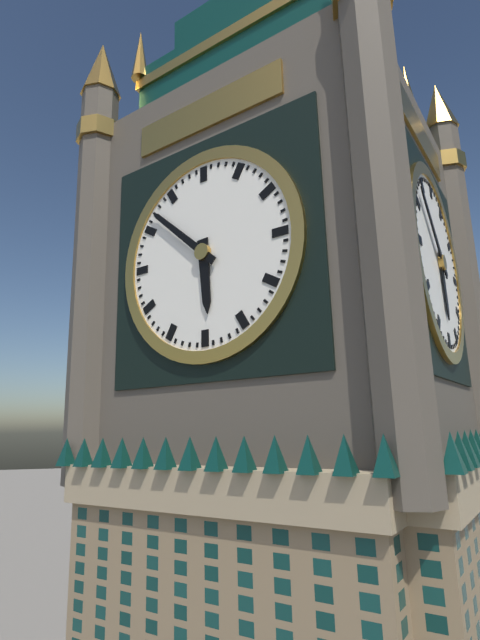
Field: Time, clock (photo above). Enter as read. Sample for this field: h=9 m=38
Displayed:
h=5 m=52
